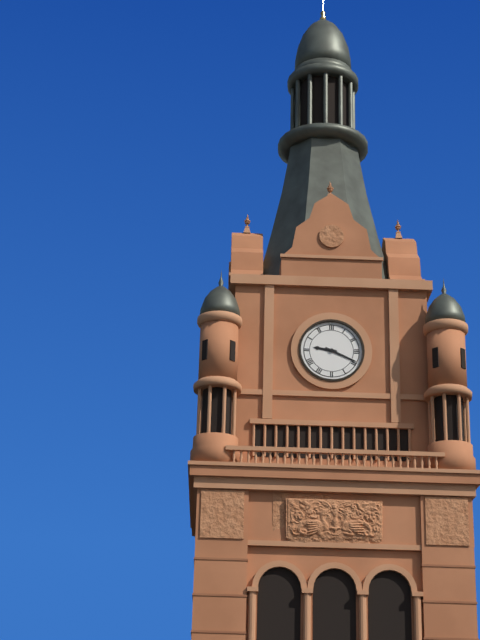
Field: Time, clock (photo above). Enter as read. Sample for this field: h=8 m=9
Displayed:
h=9 m=19
